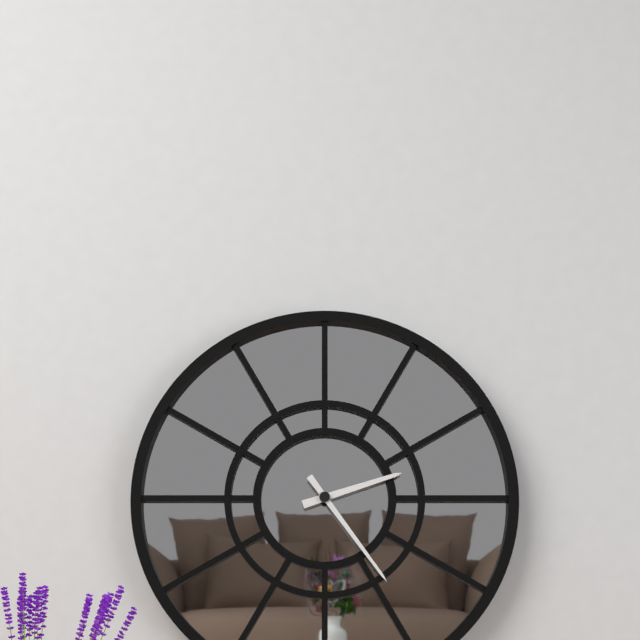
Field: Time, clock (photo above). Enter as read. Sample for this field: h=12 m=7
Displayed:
h=2 m=24
